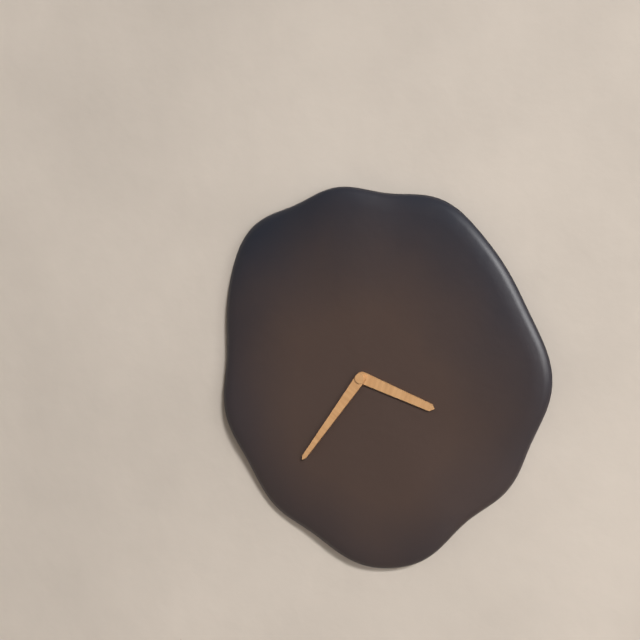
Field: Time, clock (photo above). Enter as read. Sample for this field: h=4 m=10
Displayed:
h=3 m=36
